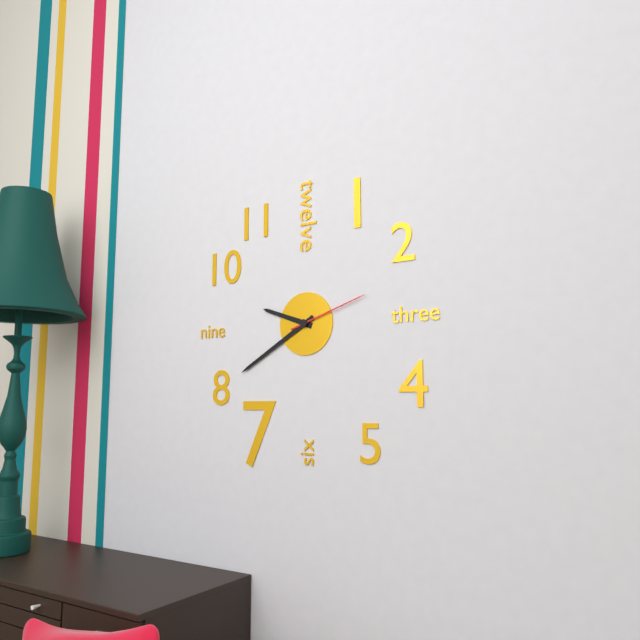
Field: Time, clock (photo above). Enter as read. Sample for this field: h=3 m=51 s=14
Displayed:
h=9 m=40 s=12
